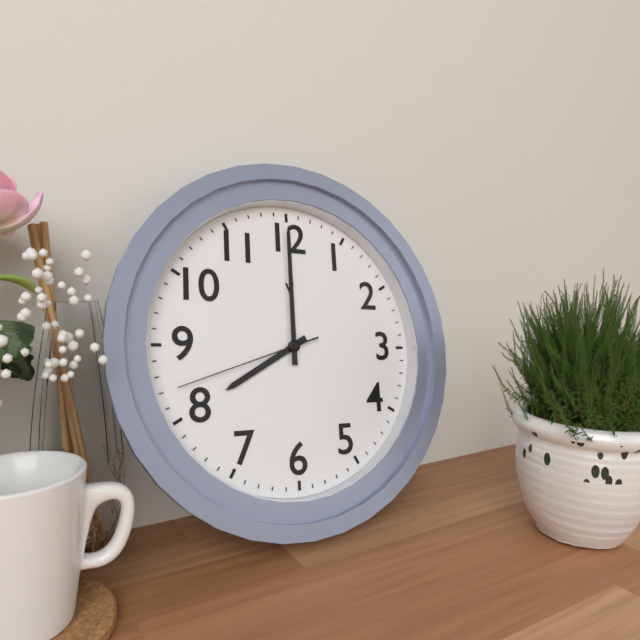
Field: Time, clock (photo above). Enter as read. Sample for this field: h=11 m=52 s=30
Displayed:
h=8 m=0 s=42
